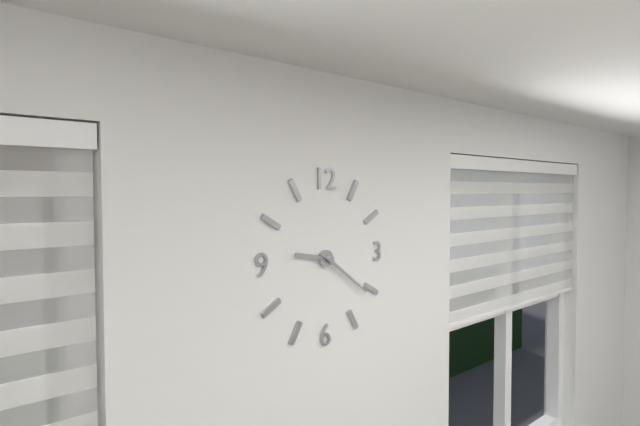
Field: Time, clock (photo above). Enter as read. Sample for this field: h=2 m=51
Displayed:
h=9 m=21
